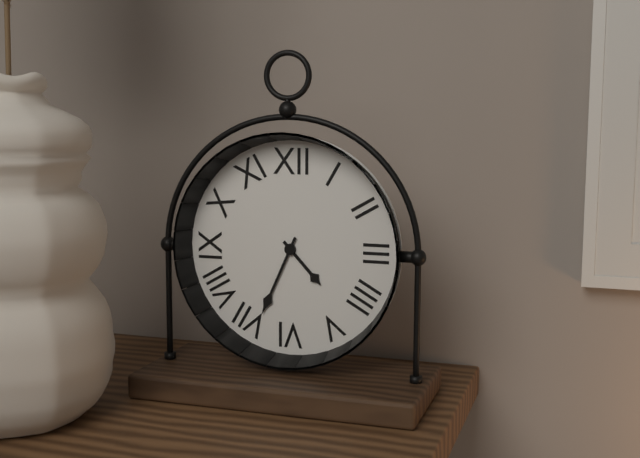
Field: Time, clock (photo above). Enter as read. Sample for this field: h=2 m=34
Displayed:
h=4 m=34
